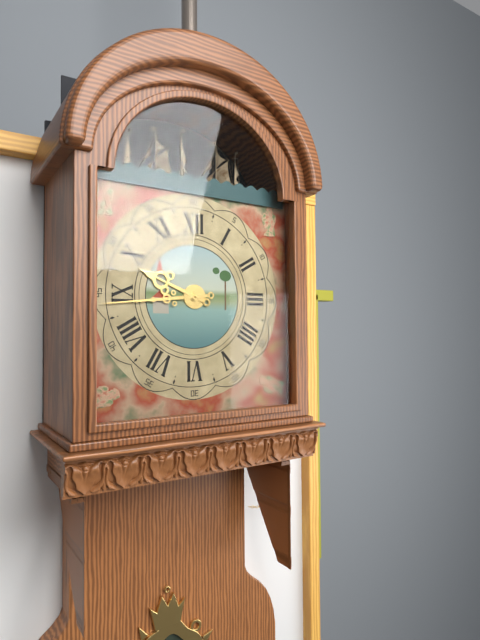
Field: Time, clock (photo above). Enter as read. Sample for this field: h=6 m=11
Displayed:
h=9 m=44
